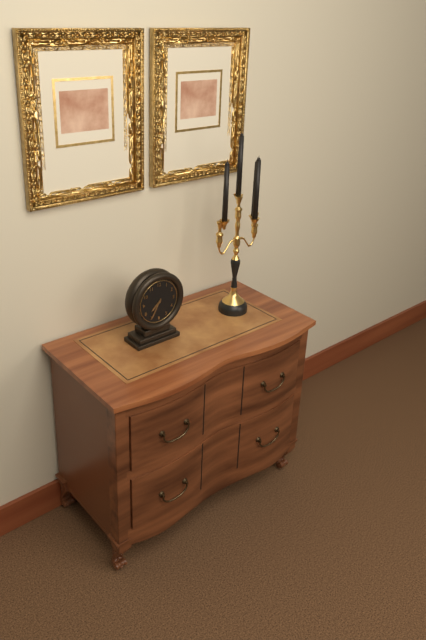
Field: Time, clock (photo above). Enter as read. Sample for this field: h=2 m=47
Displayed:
h=7 m=35
